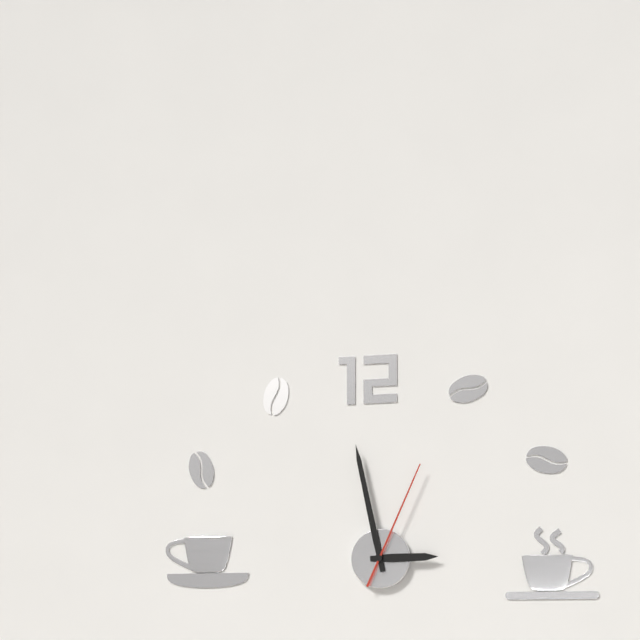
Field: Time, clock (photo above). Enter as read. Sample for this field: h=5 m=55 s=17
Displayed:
h=2 m=58 s=4
